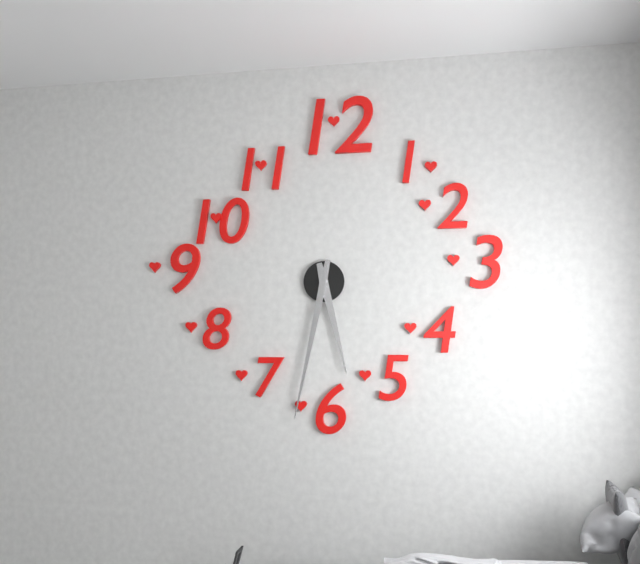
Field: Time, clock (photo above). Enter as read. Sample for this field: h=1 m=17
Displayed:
h=5 m=32
